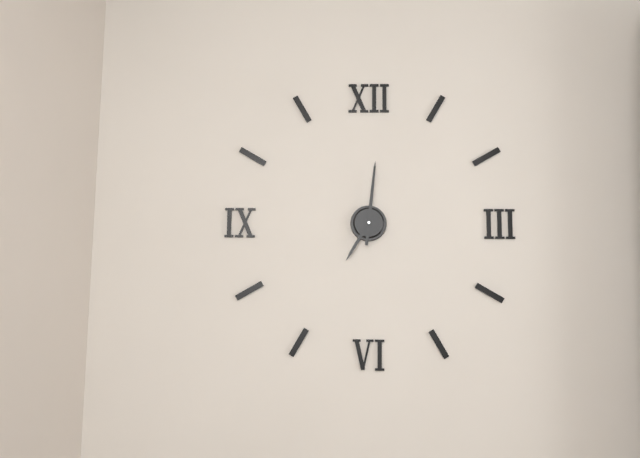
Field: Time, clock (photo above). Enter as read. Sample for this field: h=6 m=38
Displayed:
h=7 m=1
